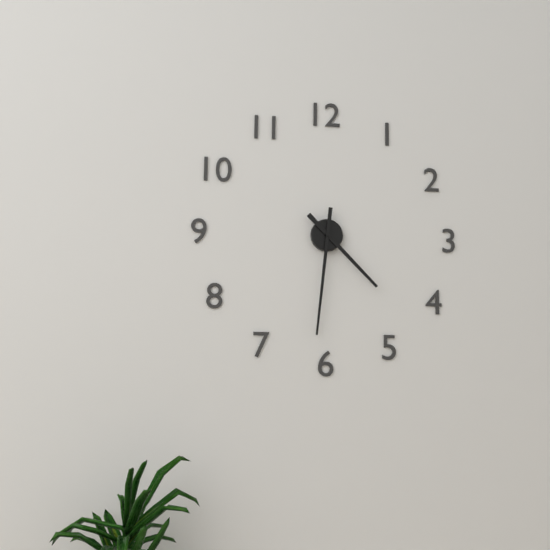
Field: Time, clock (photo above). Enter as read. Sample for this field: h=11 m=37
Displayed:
h=4 m=31
